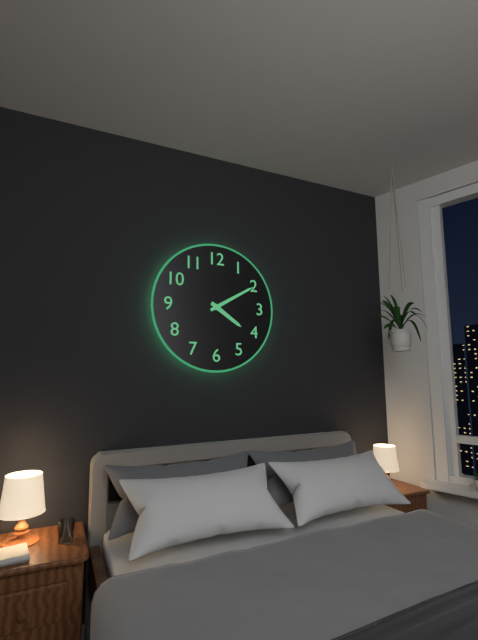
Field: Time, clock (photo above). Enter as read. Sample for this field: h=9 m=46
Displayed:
h=4 m=10
